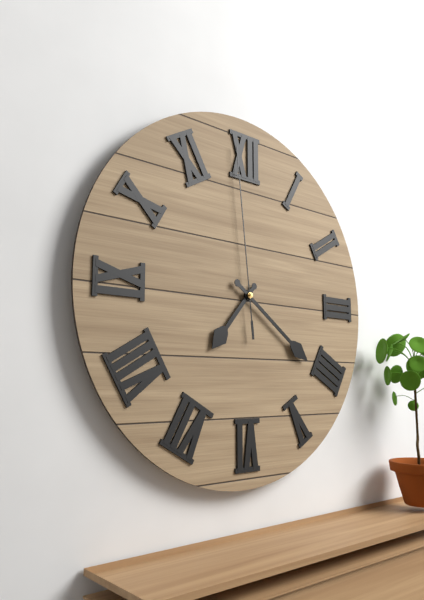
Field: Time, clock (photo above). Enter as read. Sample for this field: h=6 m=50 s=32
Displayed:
h=7 m=21 s=59
